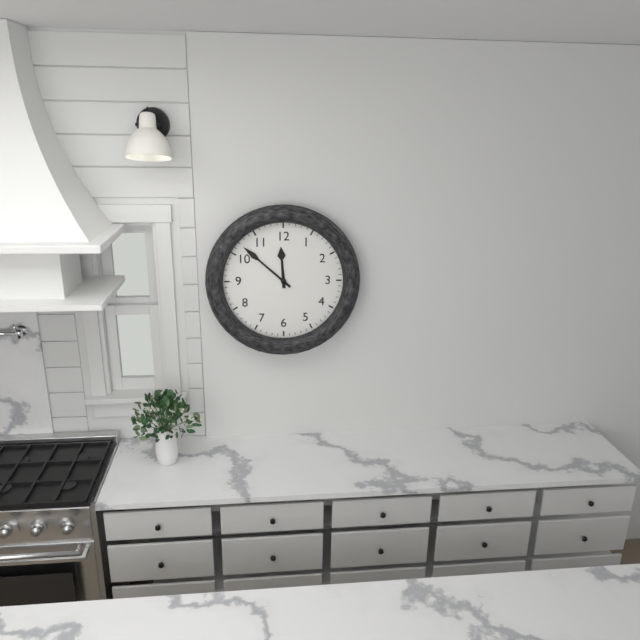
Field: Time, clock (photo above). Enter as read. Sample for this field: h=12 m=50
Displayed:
h=11 m=52
